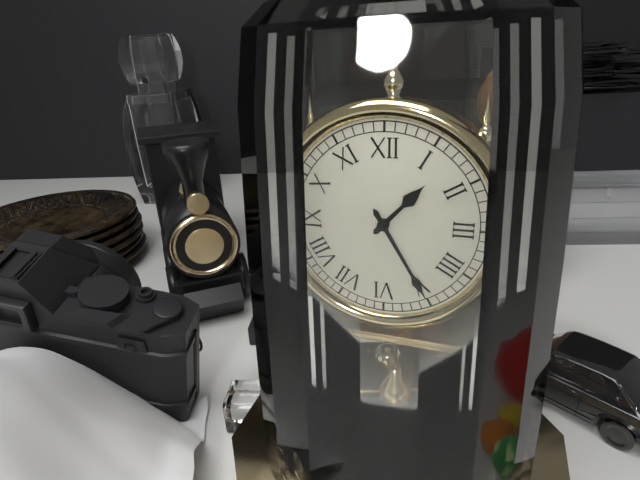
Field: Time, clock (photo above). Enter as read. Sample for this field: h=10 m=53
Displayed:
h=1 m=25
